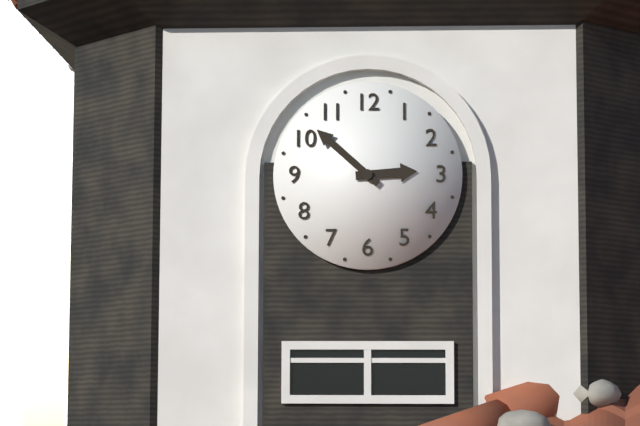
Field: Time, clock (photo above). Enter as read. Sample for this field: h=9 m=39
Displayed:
h=2 m=52
